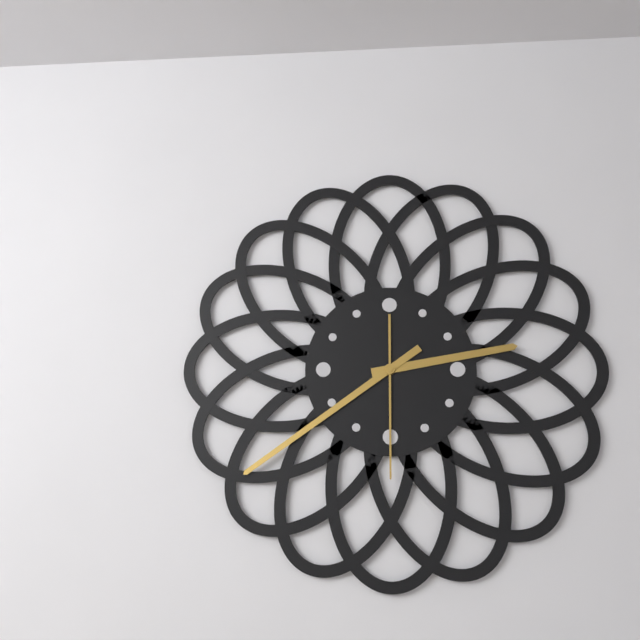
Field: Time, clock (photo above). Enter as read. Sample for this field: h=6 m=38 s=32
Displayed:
h=2 m=39 s=30
